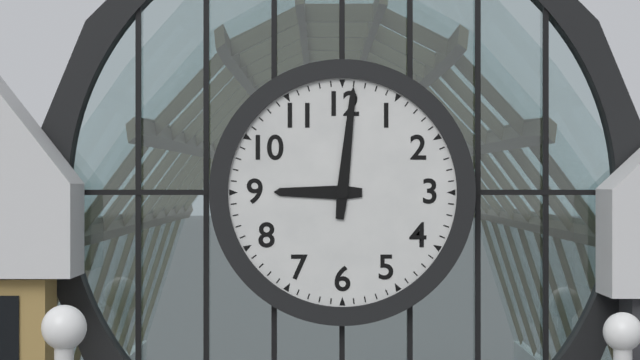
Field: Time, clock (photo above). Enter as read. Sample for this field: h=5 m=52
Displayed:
h=9 m=1
